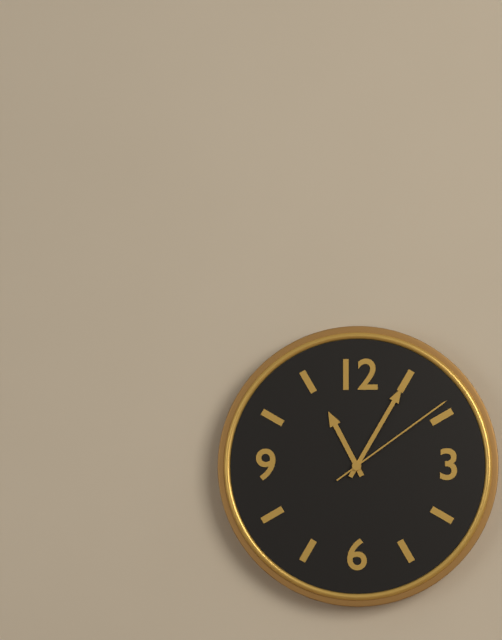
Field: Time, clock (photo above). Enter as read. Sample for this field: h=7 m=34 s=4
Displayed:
h=11 m=5 s=9
